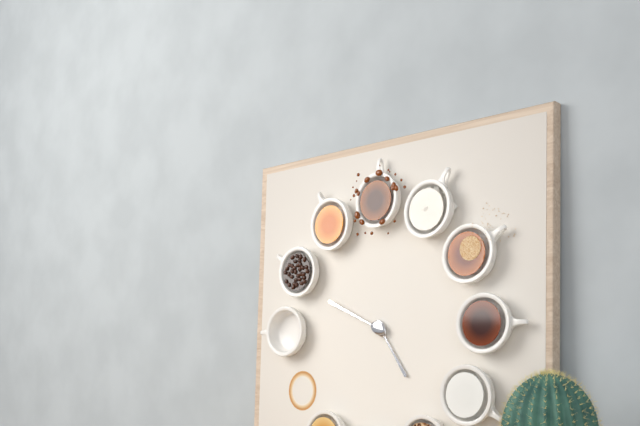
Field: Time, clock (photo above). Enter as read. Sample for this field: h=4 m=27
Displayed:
h=4 m=49
